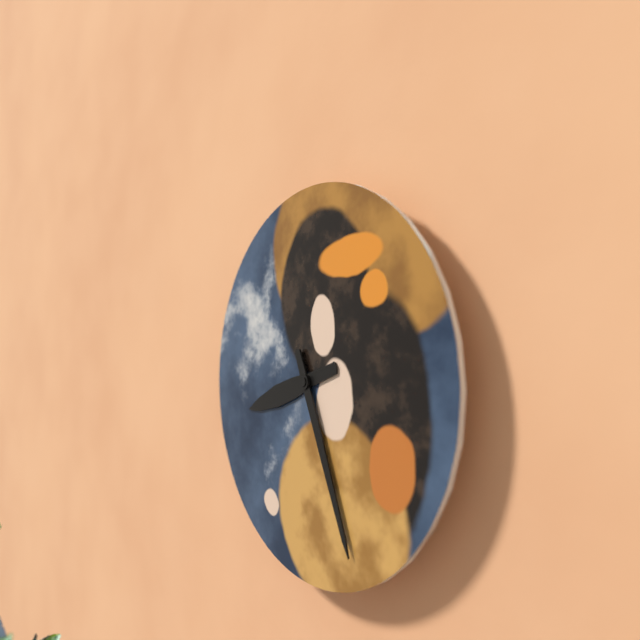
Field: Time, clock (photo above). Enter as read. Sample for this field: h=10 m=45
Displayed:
h=8 m=26
